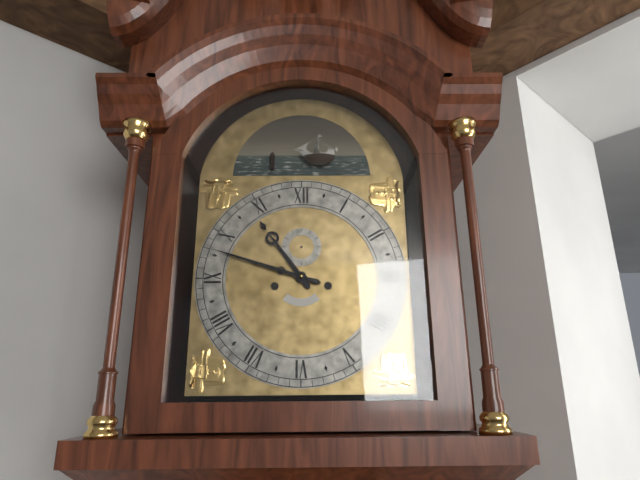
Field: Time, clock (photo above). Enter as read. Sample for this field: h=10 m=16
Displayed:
h=10 m=48
